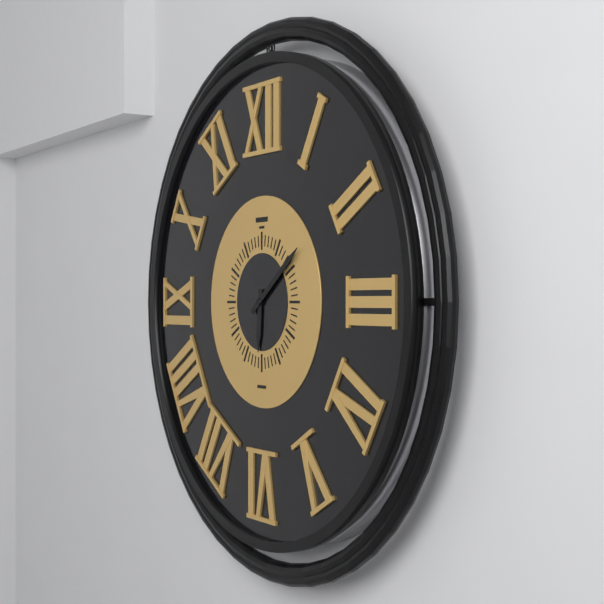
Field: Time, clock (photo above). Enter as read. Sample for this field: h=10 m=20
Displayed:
h=6 m=9
